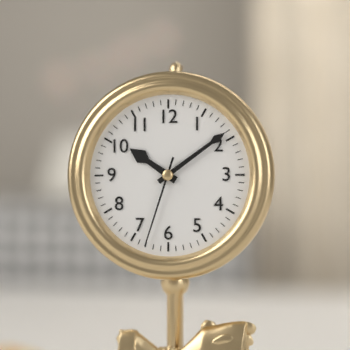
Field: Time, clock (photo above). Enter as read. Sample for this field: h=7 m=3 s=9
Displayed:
h=10 m=9 s=33
